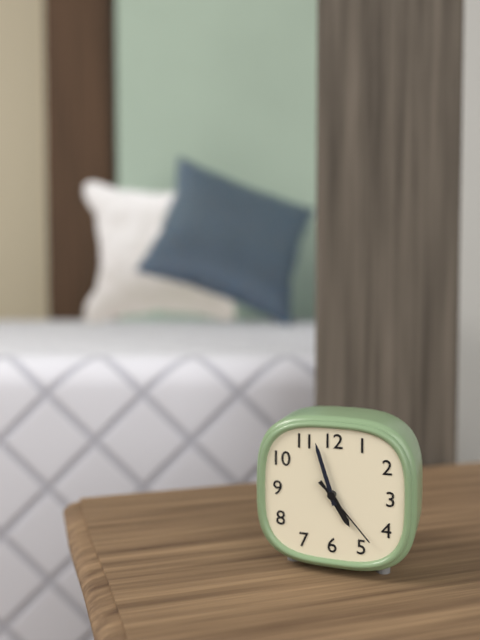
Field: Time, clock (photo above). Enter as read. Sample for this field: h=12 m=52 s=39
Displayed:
h=4 m=57 s=23
